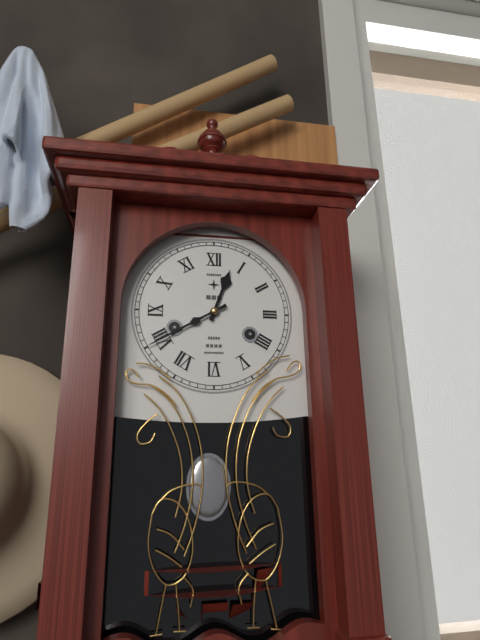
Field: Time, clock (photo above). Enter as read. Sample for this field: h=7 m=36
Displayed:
h=12 m=40
